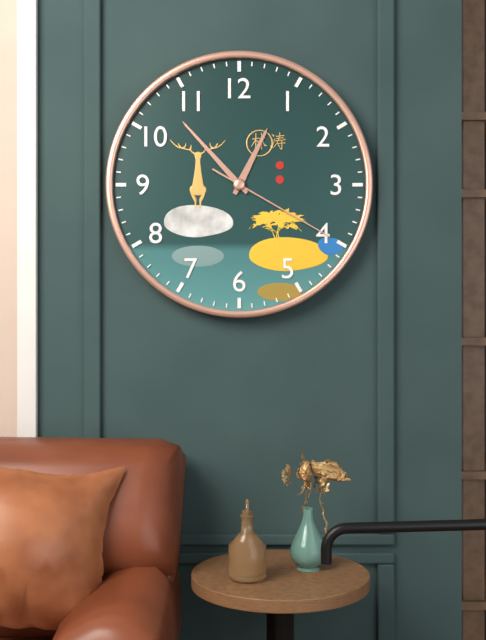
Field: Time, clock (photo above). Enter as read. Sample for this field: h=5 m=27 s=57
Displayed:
h=12 m=53 s=20
